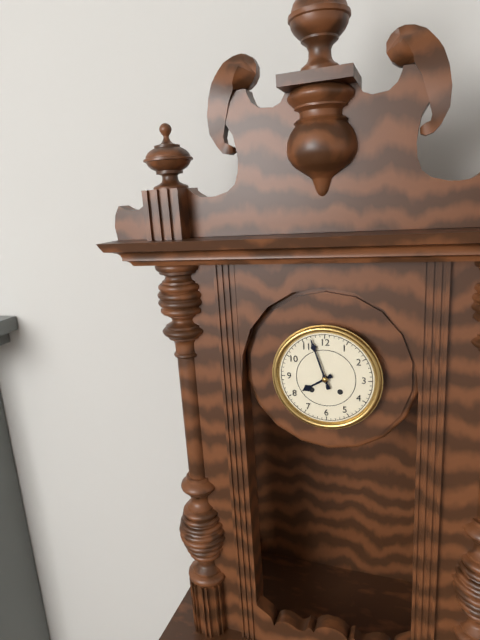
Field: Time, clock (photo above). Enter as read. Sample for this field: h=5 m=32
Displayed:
h=7 m=57
